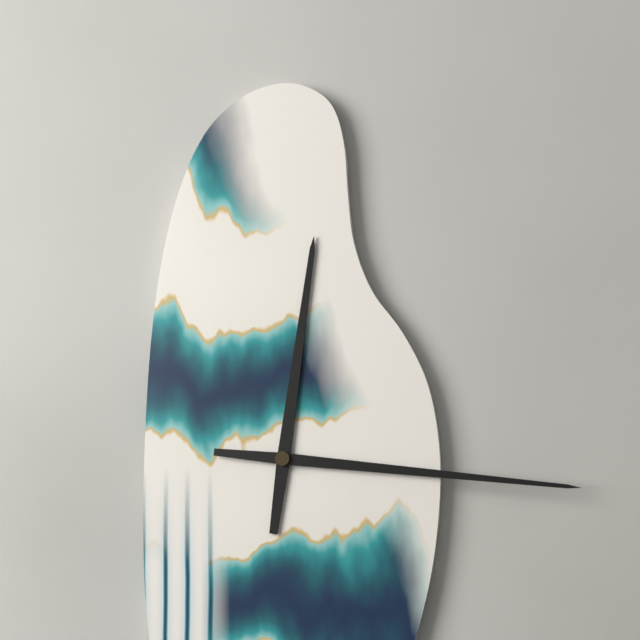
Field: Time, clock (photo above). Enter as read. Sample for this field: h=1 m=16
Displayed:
h=12 m=16
